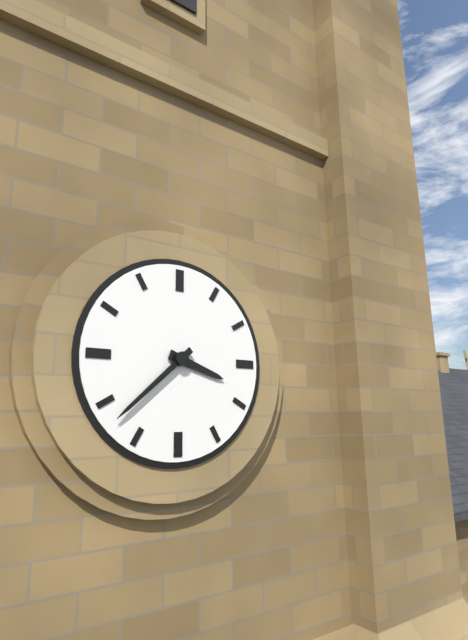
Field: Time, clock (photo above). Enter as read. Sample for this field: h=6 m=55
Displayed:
h=3 m=38
